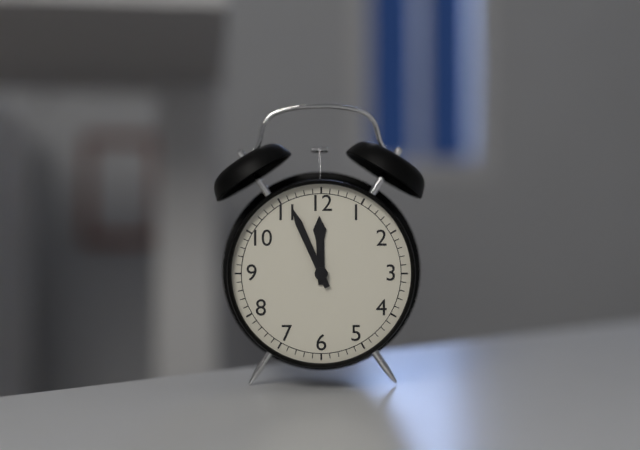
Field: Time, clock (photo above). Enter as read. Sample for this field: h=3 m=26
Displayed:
h=11 m=56
